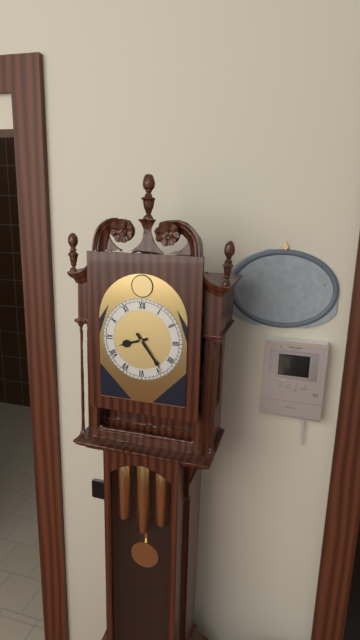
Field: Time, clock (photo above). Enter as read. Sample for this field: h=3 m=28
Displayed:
h=8 m=24
